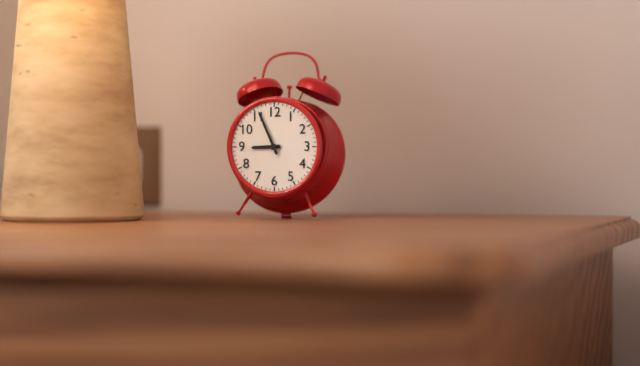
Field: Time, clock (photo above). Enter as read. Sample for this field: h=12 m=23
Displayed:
h=8 m=56
